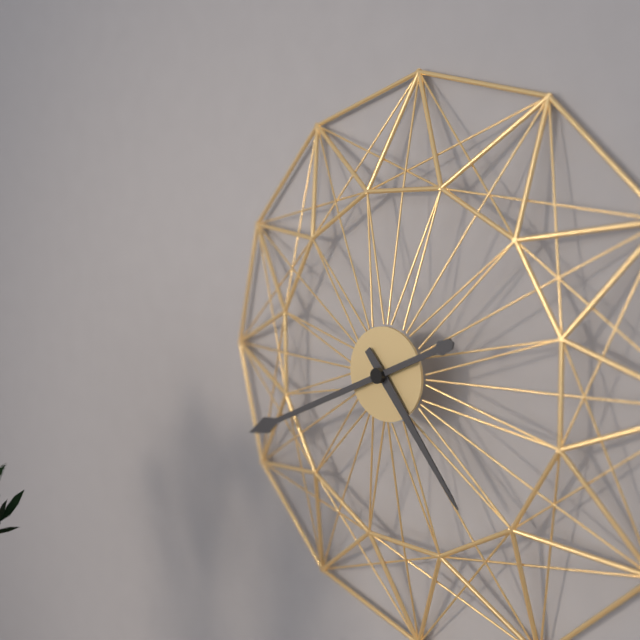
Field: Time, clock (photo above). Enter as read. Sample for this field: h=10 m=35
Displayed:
h=4 m=41
